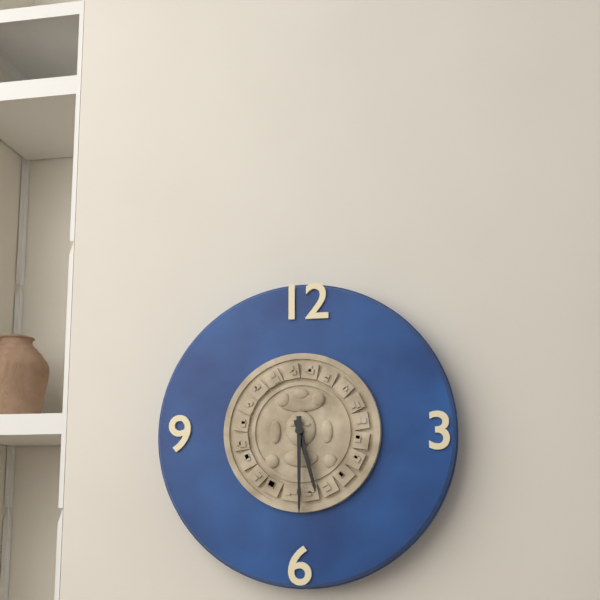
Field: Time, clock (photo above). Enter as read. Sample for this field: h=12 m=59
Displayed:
h=5 m=30
